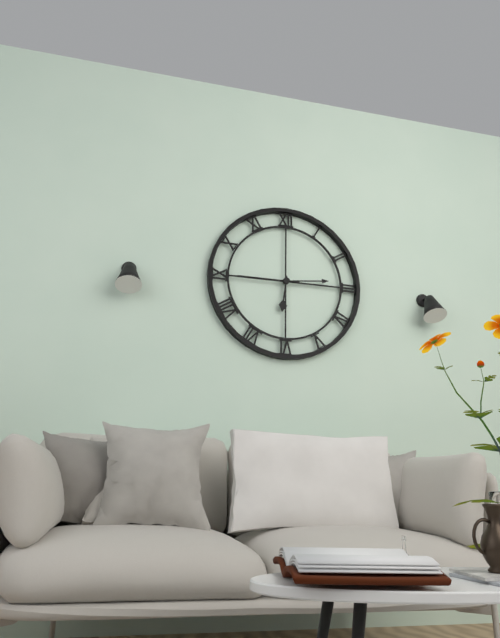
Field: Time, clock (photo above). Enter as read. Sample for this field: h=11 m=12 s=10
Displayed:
h=6 m=14 s=45
